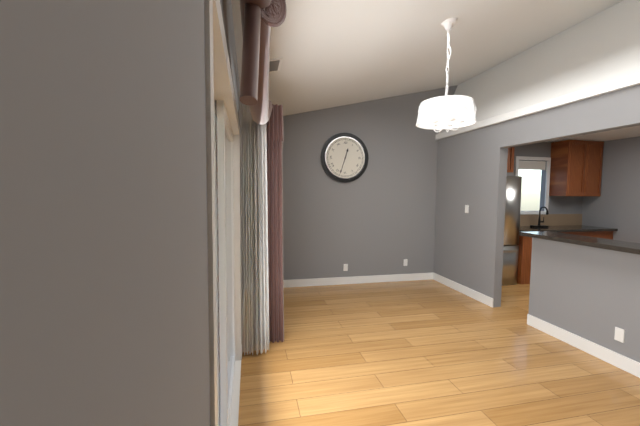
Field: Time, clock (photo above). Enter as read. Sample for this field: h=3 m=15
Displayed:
h=12 m=33
